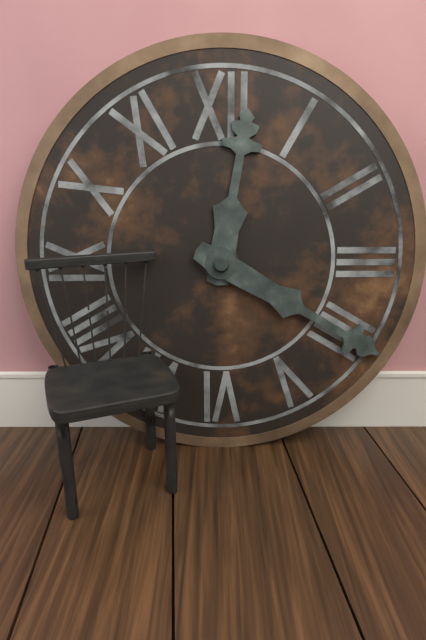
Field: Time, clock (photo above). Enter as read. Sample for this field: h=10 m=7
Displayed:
h=12 m=20
